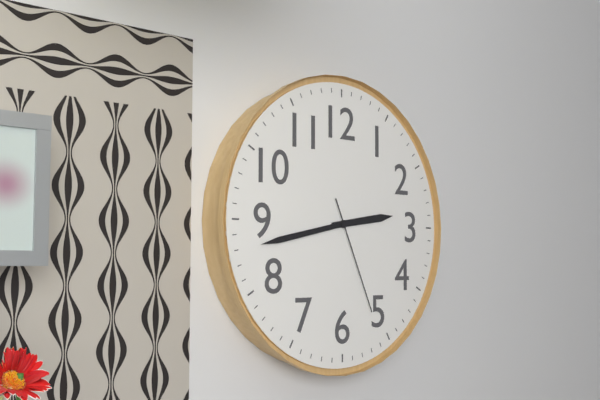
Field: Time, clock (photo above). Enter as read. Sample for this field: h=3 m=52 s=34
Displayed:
h=2 m=43 s=26
